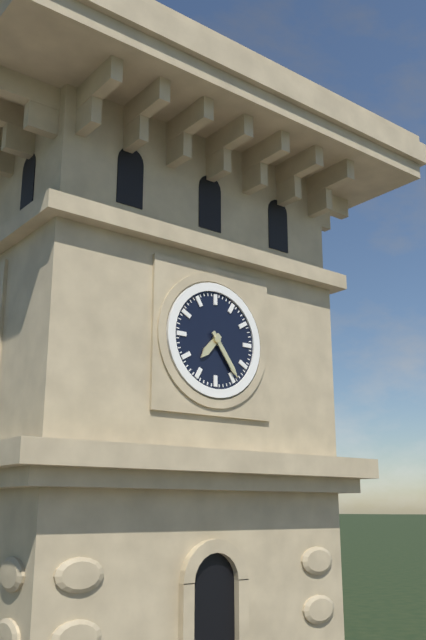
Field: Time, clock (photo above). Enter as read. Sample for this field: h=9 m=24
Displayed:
h=7 m=24
